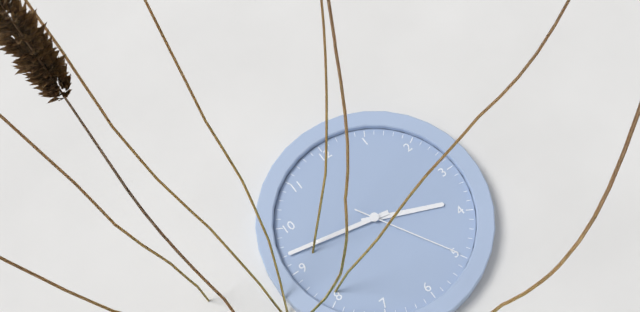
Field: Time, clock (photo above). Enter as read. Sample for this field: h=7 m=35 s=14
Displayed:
h=3 m=47 s=25
